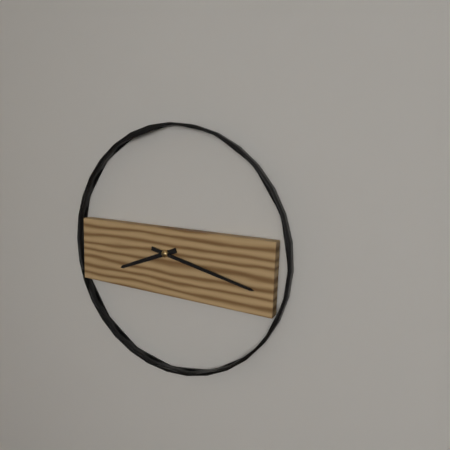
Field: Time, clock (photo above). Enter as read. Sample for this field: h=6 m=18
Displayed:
h=8 m=17
